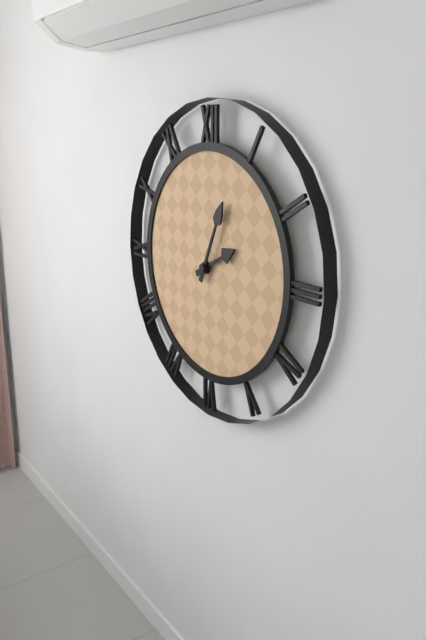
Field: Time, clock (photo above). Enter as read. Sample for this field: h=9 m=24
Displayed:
h=2 m=4
